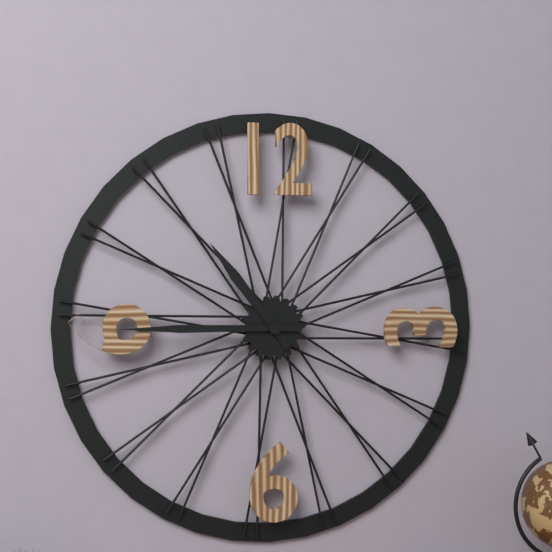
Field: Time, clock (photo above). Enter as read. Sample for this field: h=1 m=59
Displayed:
h=10 m=45
